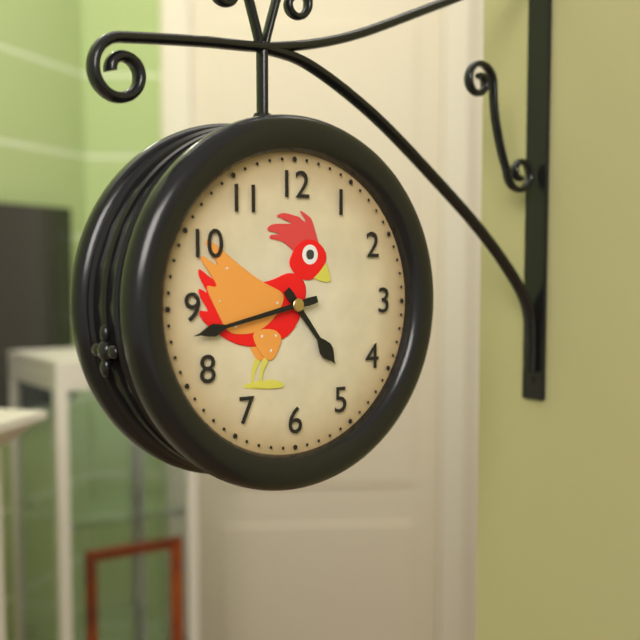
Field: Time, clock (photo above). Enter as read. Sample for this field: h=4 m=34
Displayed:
h=4 m=43
